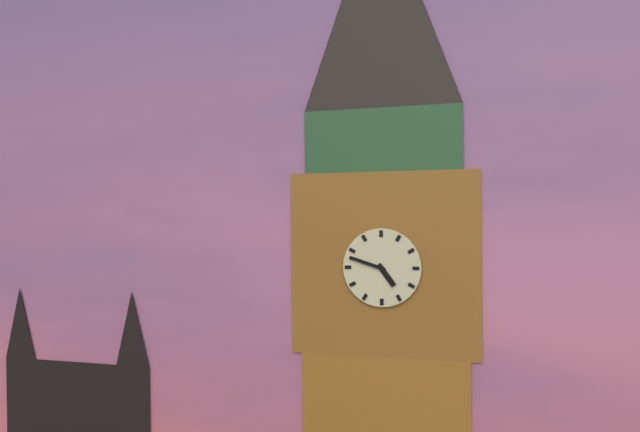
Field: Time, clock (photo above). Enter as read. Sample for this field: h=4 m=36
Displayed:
h=4 m=48
